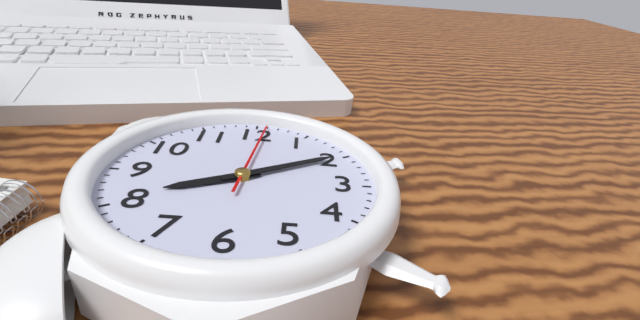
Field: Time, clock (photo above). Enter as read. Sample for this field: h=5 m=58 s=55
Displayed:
h=8 m=10 s=1
